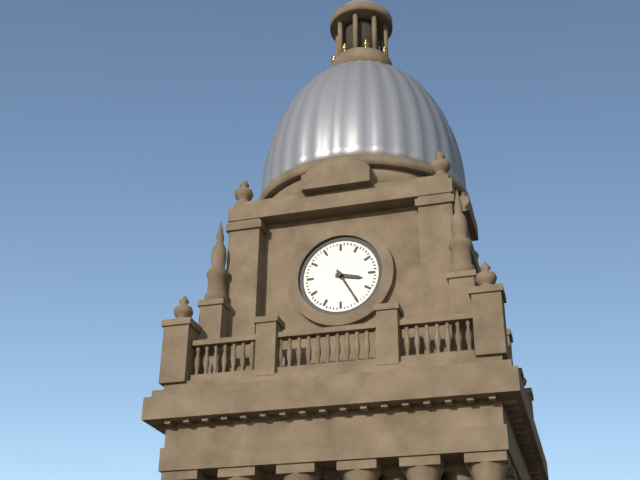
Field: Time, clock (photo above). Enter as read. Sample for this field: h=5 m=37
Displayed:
h=3 m=25
